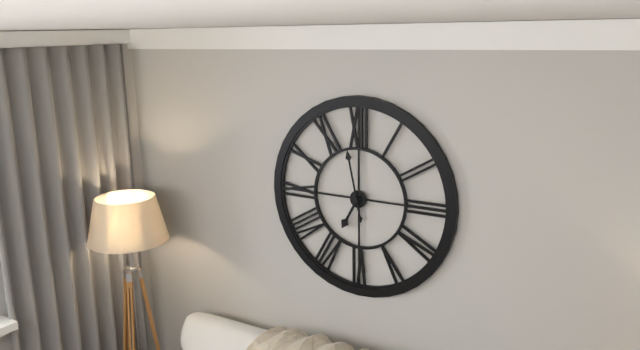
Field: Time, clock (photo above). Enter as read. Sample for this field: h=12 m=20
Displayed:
h=6 m=58
